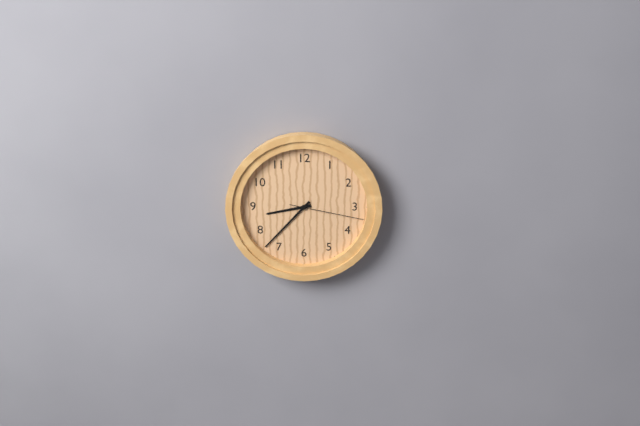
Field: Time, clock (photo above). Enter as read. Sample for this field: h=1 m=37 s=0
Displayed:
h=8 m=37 s=17
